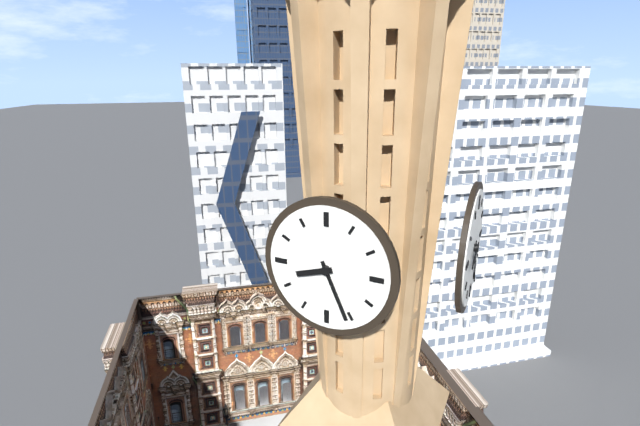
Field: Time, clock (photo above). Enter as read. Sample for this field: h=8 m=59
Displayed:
h=8 m=26
